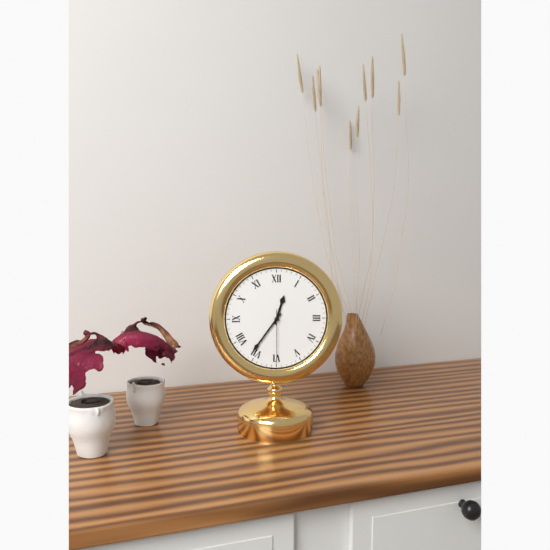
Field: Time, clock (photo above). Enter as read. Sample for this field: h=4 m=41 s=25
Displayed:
h=12 m=36 s=30
